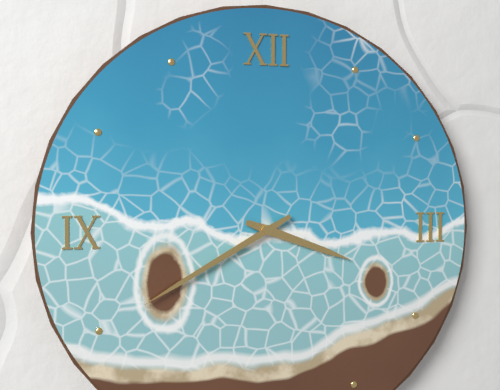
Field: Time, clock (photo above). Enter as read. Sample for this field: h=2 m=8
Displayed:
h=3 m=40
